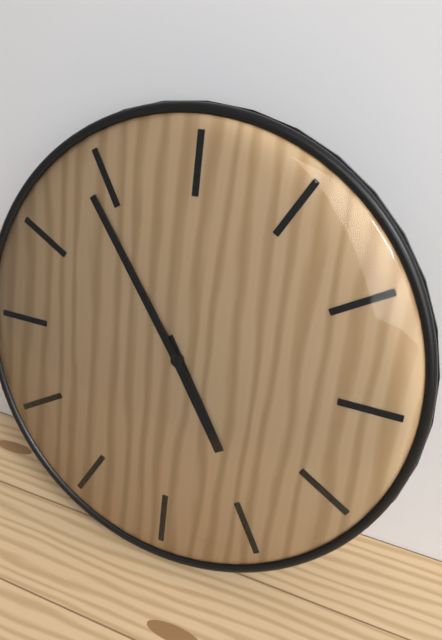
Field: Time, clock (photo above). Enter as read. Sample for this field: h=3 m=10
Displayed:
h=4 m=54
